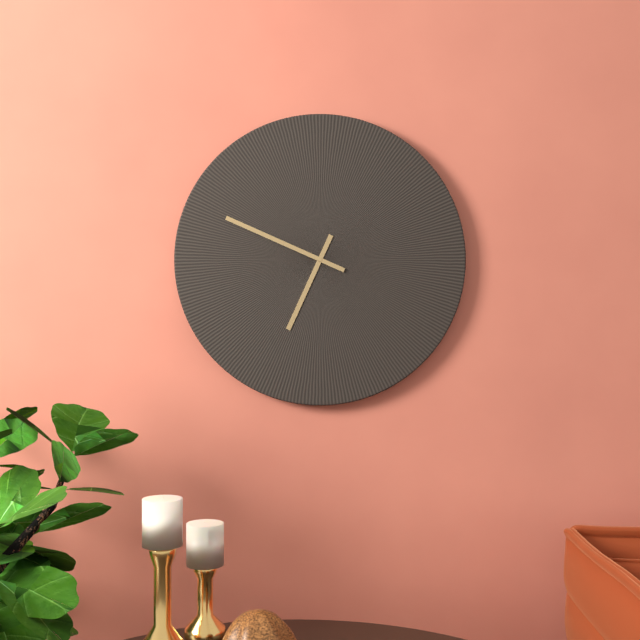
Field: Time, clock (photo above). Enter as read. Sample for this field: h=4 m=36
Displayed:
h=6 m=49
